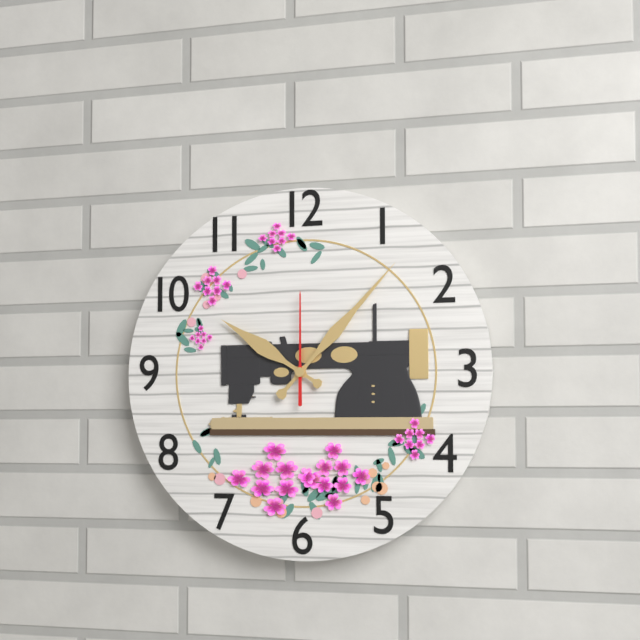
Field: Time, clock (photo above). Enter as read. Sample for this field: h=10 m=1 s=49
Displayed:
h=10 m=7 s=0
